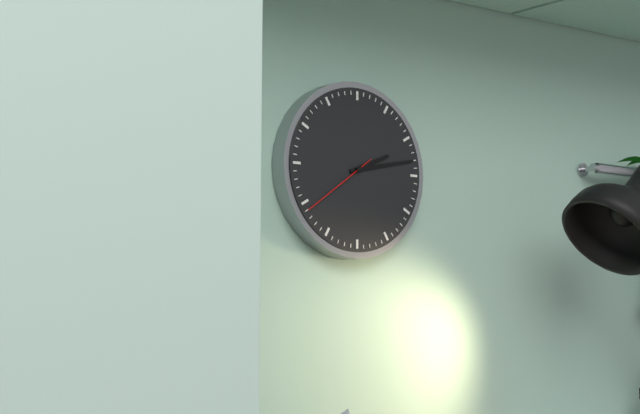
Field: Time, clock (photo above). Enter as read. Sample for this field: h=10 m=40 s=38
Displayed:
h=2 m=13 s=39
